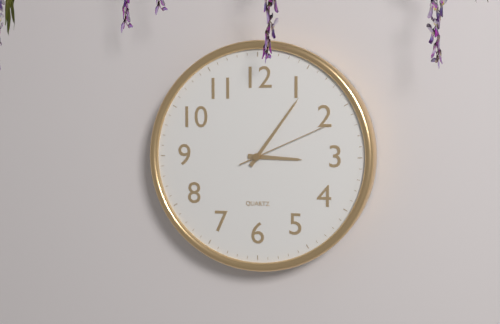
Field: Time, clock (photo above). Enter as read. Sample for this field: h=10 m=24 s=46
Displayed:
h=3 m=6 s=11
